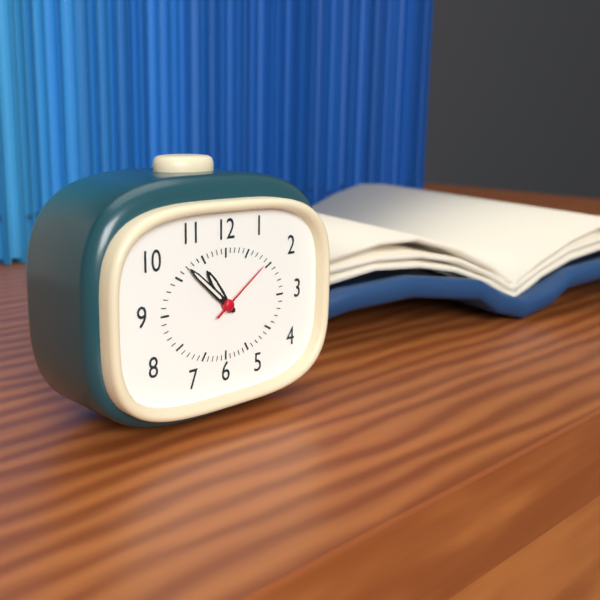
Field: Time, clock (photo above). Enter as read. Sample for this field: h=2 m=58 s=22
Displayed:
h=10 m=52 s=9
